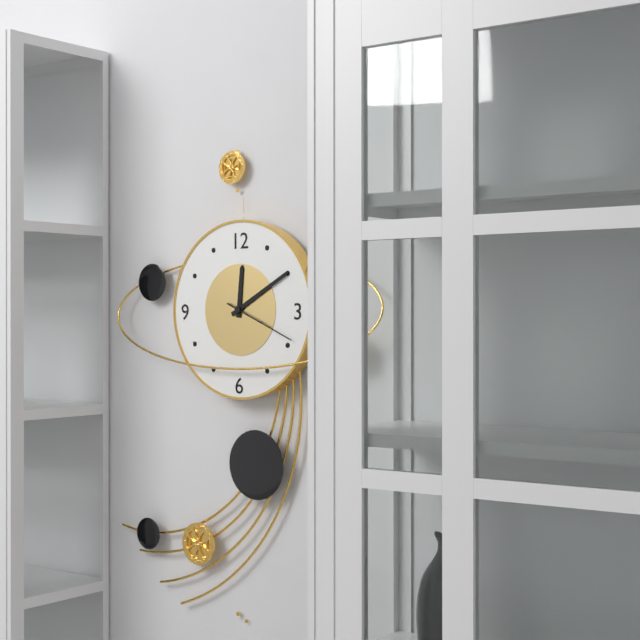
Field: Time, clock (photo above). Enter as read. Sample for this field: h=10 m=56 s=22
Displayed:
h=12 m=10 s=19
